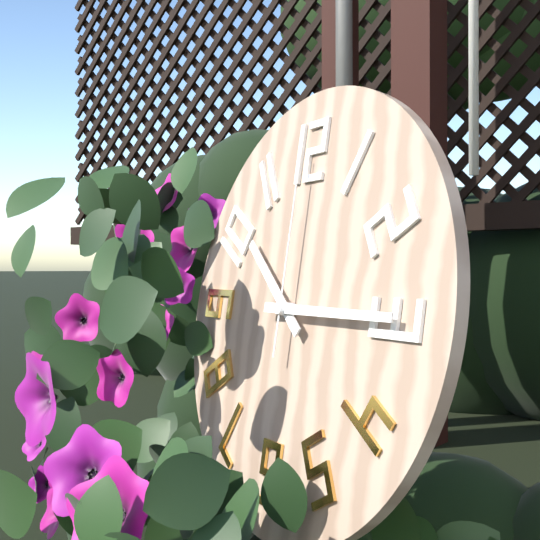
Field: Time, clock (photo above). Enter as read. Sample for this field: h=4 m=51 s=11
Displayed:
h=10 m=15 s=0
